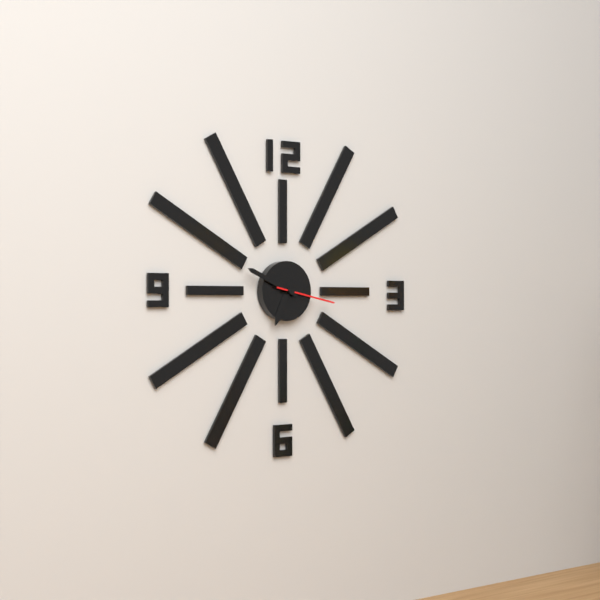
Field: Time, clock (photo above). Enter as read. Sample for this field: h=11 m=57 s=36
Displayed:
h=6 m=49 s=17
